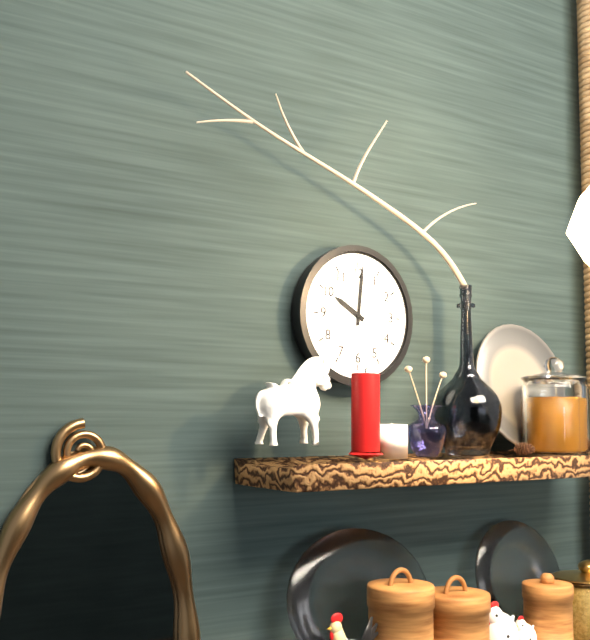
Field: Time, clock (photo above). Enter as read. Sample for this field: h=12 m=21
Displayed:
h=10 m=1
